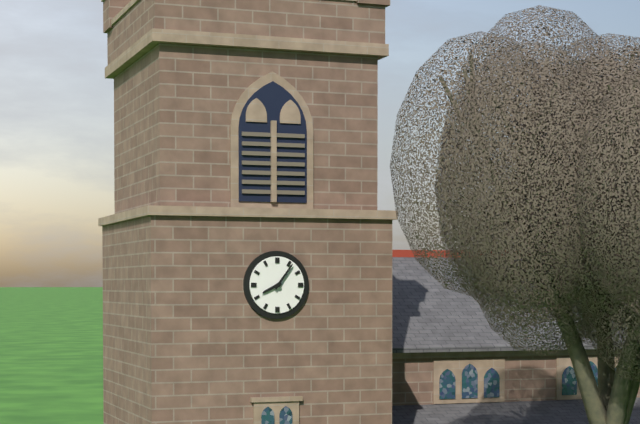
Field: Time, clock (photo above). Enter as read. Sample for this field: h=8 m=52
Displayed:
h=8 m=6
